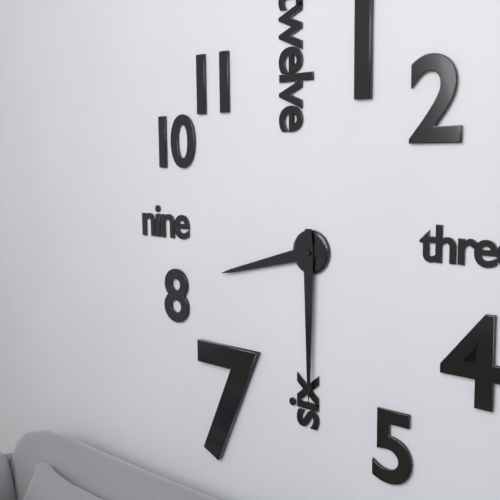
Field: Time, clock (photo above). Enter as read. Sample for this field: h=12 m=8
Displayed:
h=8 m=30
